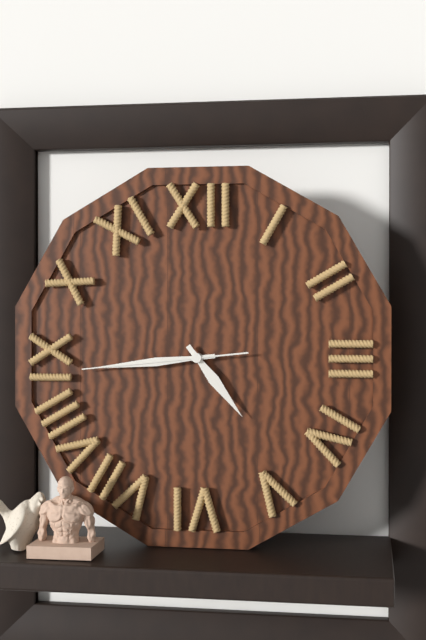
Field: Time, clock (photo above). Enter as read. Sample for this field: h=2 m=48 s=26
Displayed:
h=4 m=44 s=44
